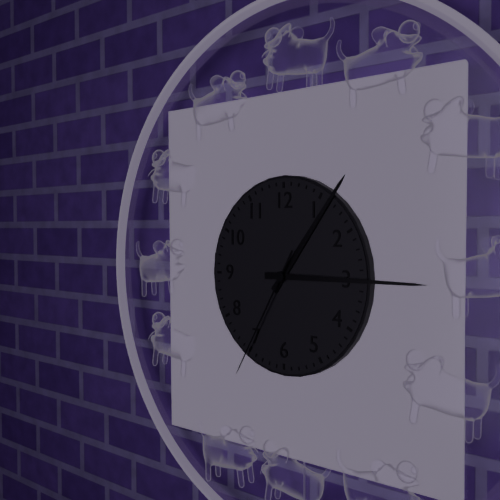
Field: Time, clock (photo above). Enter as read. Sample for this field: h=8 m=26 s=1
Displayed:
h=1 m=15 s=35
